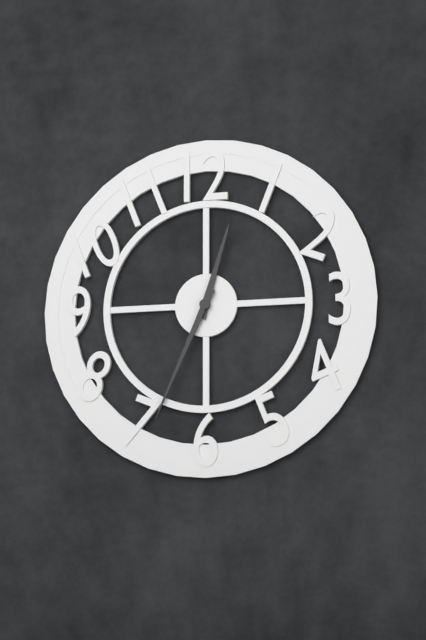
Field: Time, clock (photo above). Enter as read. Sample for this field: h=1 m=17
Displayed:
h=12 m=34
